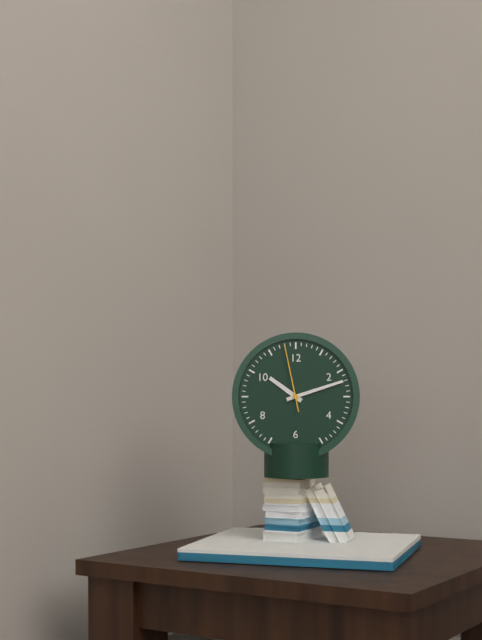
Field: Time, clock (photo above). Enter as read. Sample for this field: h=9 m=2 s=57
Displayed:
h=10 m=12 s=58
